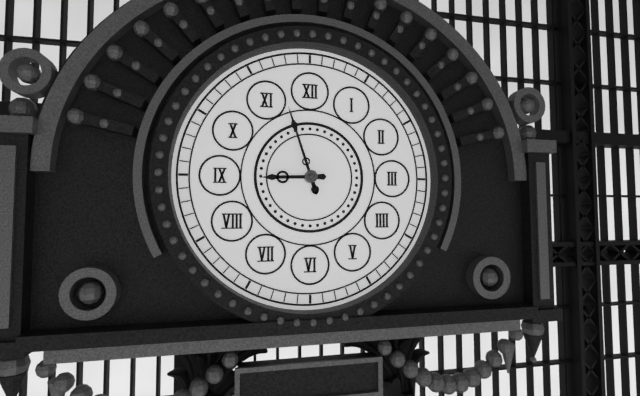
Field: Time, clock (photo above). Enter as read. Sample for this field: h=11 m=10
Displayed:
h=8 m=57
